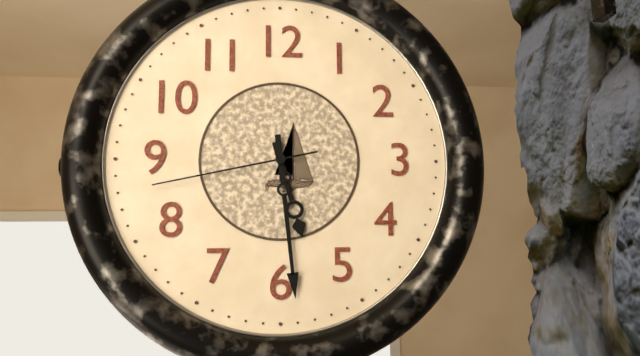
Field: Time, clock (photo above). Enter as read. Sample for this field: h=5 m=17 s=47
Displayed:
h=5 m=29 s=43
